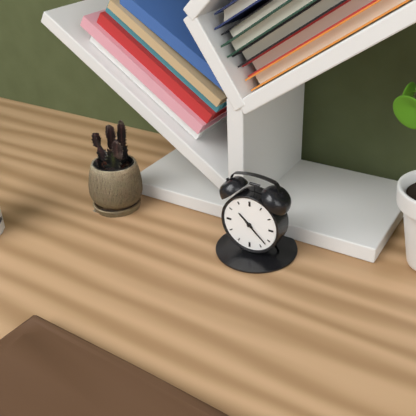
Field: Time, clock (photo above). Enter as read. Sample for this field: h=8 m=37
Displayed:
h=10 m=22
